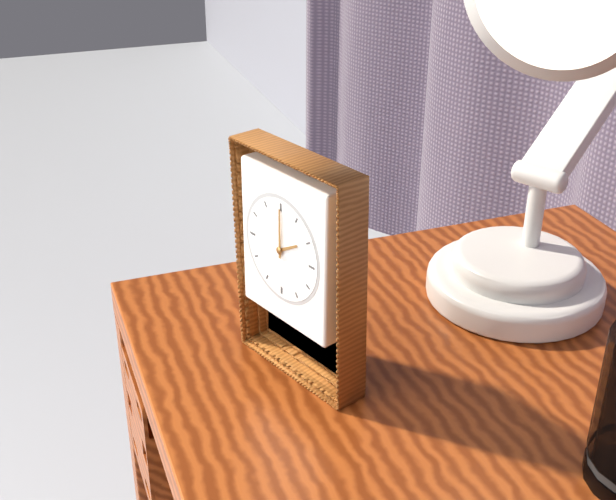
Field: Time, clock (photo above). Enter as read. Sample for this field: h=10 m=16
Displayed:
h=2 m=0
